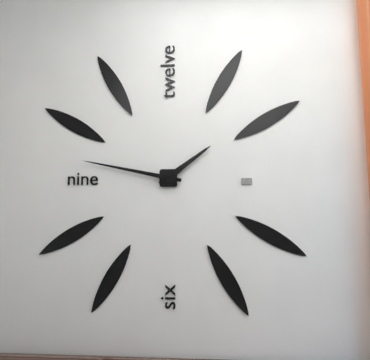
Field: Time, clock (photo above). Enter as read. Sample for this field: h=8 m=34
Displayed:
h=1 m=47
